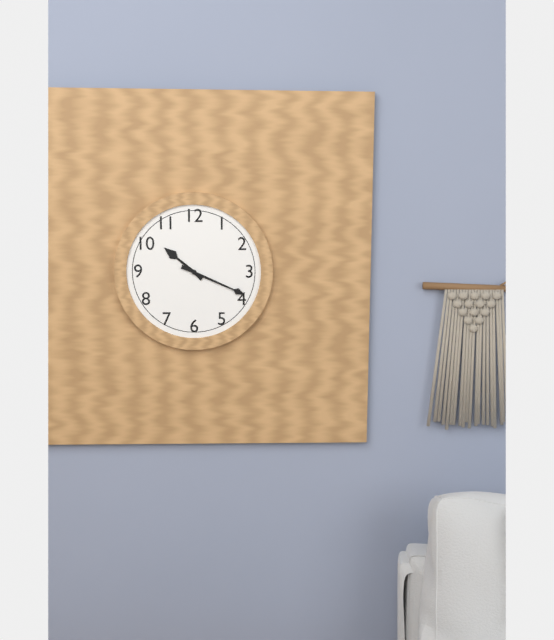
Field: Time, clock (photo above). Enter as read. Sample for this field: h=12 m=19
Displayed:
h=10 m=19
